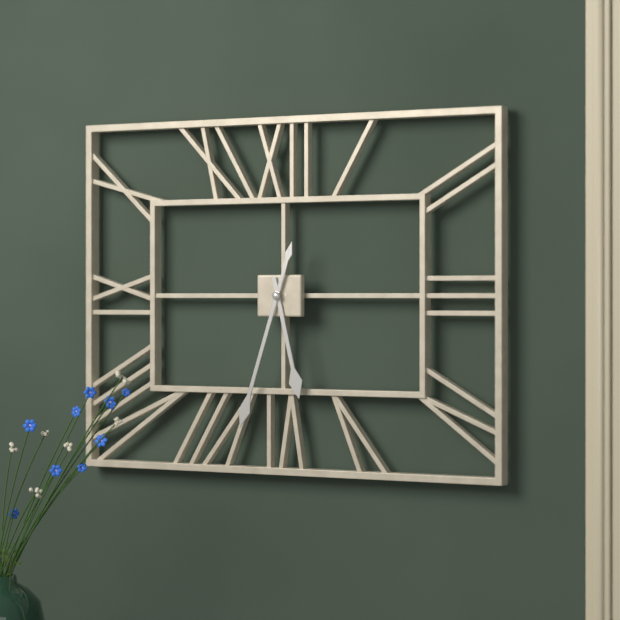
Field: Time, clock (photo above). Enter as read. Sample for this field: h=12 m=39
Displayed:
h=5 m=33
